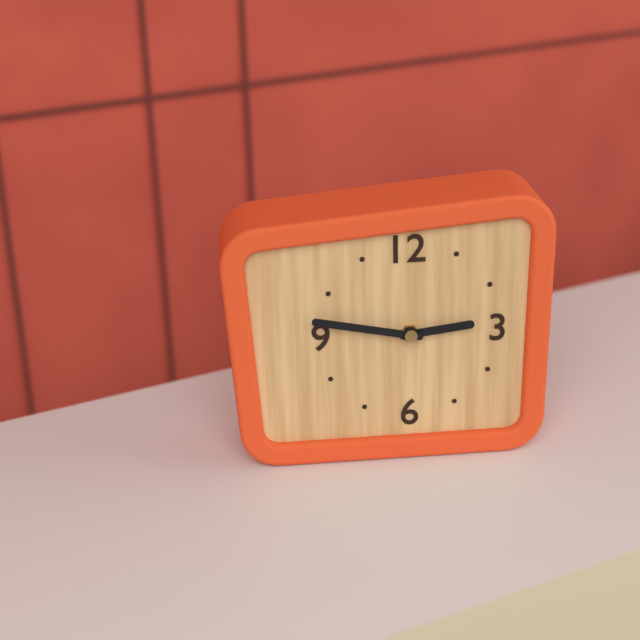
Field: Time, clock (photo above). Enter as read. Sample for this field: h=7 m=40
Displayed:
h=2 m=47
